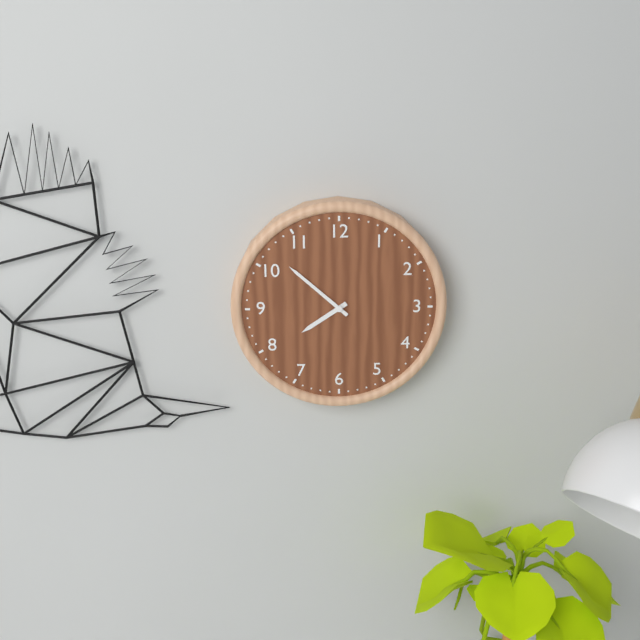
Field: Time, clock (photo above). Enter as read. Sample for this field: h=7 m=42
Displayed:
h=7 m=52
